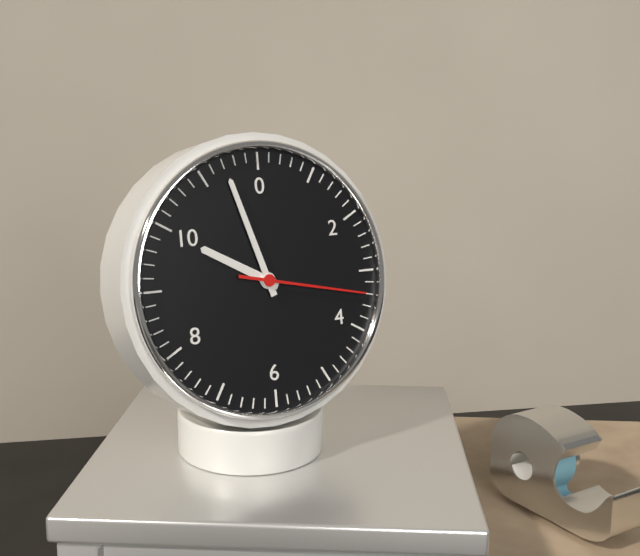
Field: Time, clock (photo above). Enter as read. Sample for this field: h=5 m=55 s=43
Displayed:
h=9 m=57 s=17
